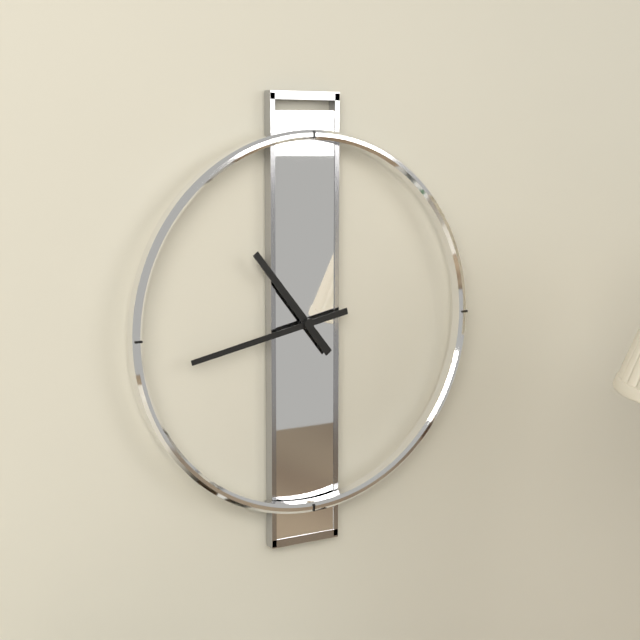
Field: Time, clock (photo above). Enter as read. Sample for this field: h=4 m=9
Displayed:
h=10 m=43
